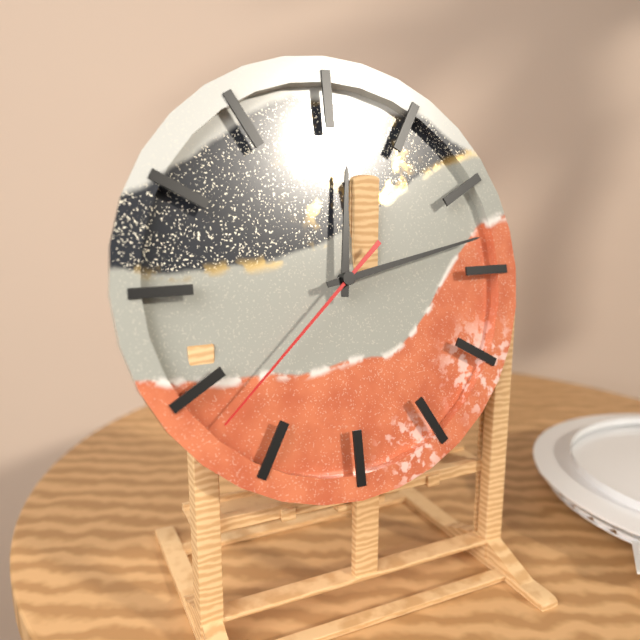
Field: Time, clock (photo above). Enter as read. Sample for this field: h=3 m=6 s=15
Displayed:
h=12 m=13 s=38
